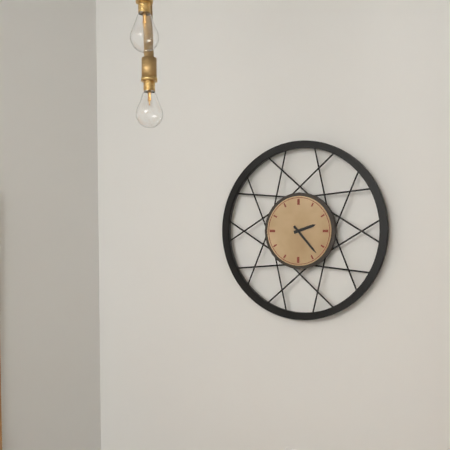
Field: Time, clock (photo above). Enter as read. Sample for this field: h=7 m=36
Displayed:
h=2 m=23
